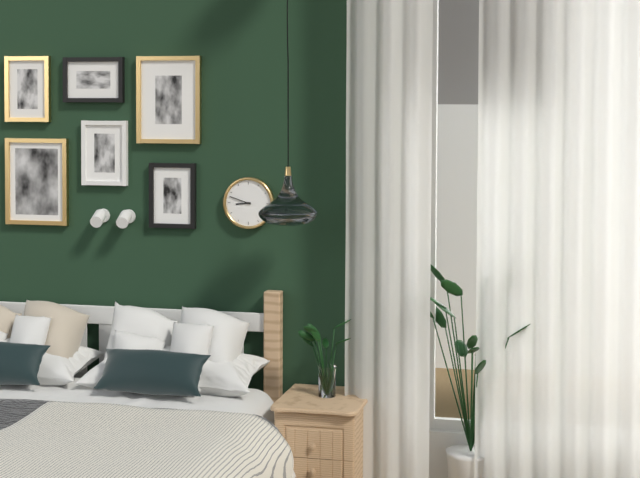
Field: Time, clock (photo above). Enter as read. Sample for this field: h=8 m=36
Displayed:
h=8 m=48
